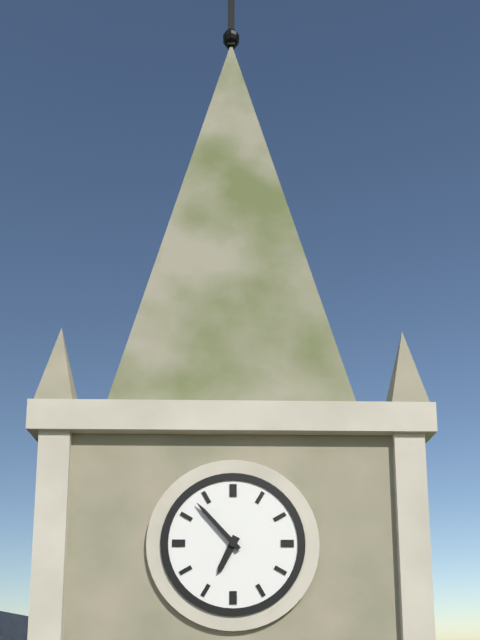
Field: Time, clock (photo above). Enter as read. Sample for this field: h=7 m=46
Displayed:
h=6 m=53
